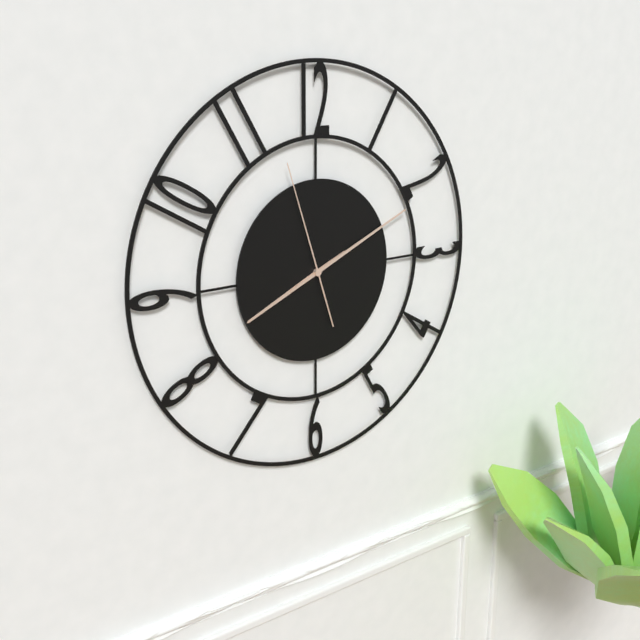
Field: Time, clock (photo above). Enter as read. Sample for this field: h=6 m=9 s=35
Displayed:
h=8 m=11 s=57
